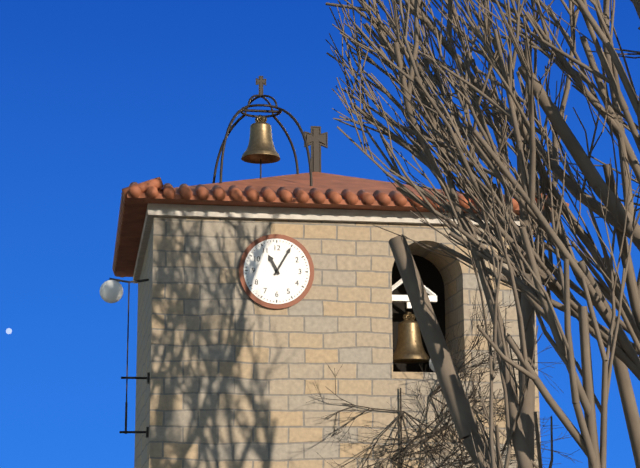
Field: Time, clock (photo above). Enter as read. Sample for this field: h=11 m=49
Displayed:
h=11 m=5
